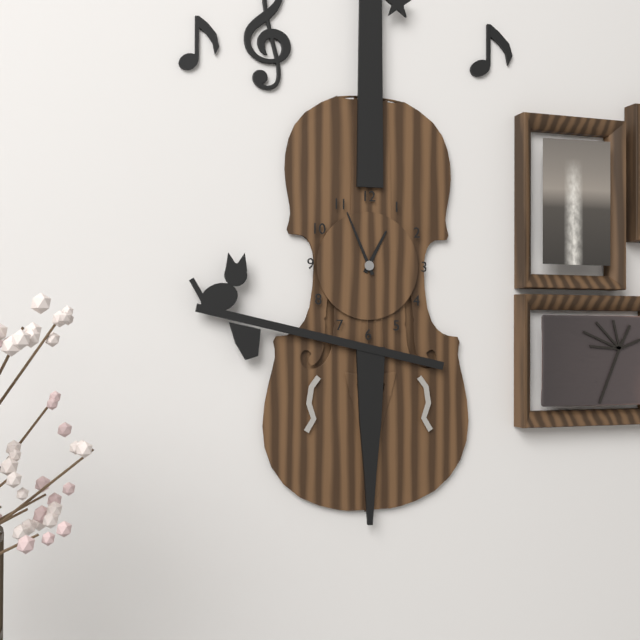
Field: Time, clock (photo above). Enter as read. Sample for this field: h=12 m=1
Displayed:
h=12 m=56
